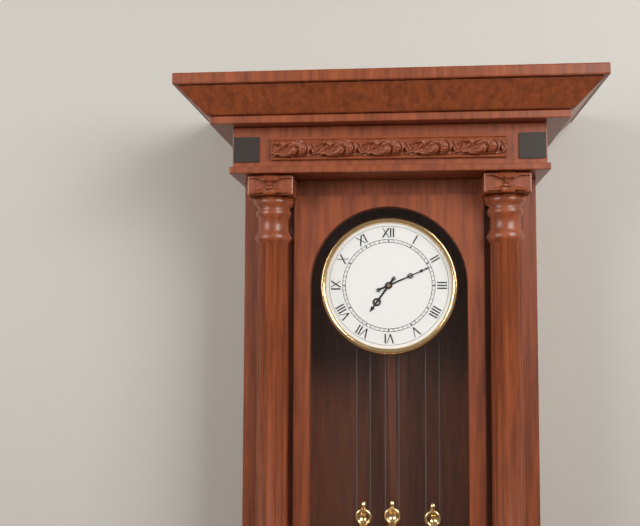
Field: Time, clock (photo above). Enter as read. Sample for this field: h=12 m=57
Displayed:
h=7 m=11
